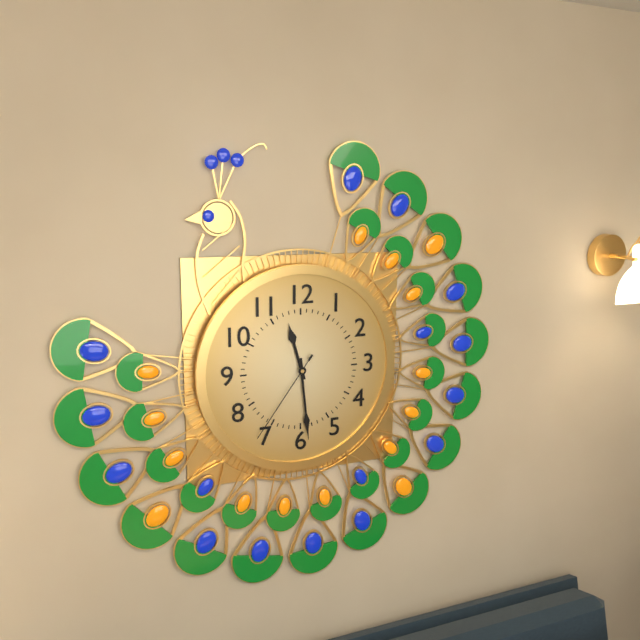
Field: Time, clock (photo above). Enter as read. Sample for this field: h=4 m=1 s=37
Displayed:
h=11 m=29 s=36
